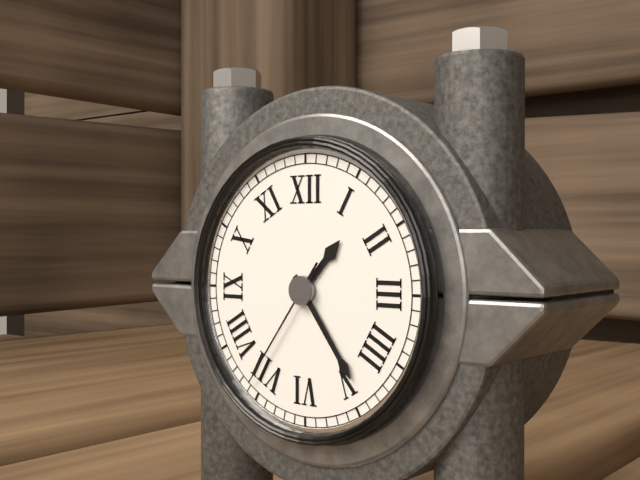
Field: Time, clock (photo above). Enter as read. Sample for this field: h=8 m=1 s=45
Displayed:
h=1 m=24 s=36
